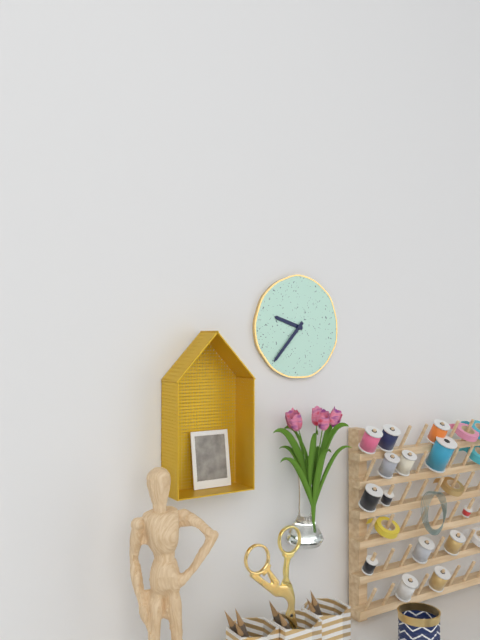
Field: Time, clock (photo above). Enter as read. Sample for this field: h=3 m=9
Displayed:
h=9 m=37
